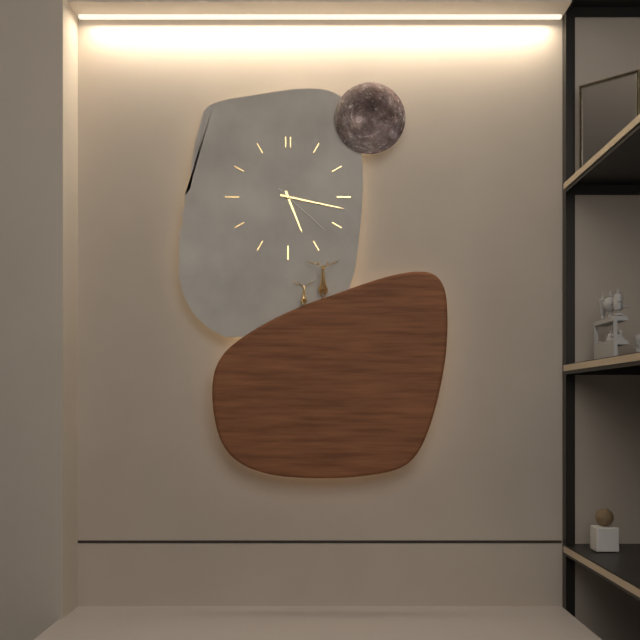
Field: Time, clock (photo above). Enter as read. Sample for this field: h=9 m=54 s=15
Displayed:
h=5 m=17 s=22
